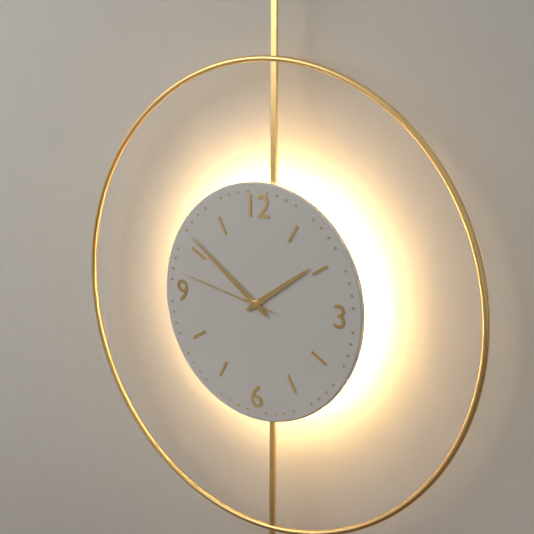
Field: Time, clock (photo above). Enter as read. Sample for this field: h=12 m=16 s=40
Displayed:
h=1 m=51 s=47
